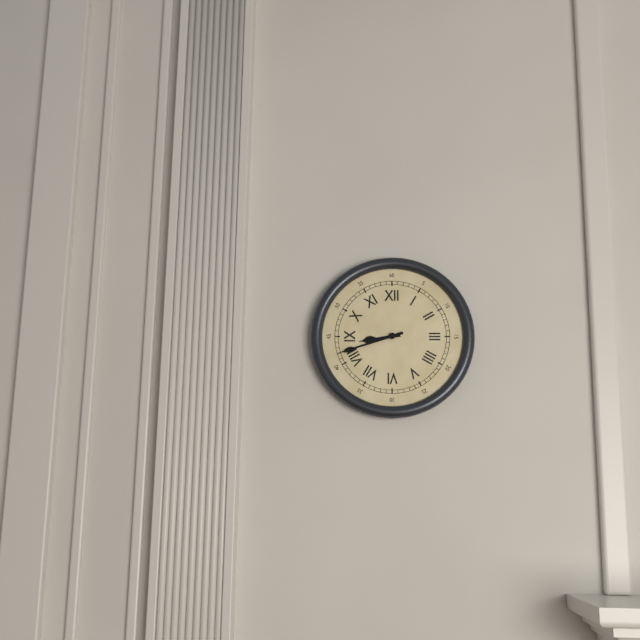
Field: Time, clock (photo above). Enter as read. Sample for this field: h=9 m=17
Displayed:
h=8 m=42
